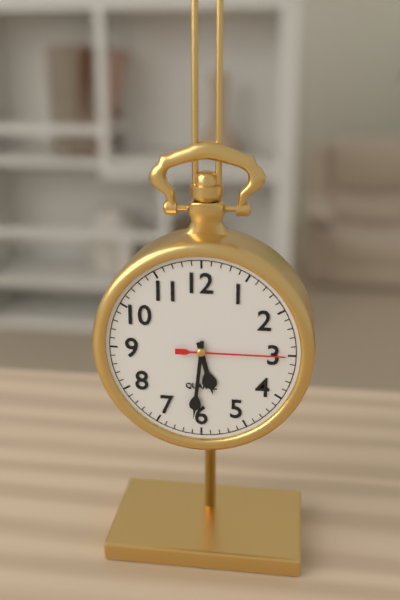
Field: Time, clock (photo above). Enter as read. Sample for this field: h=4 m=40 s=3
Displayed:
h=5 m=31 s=15
